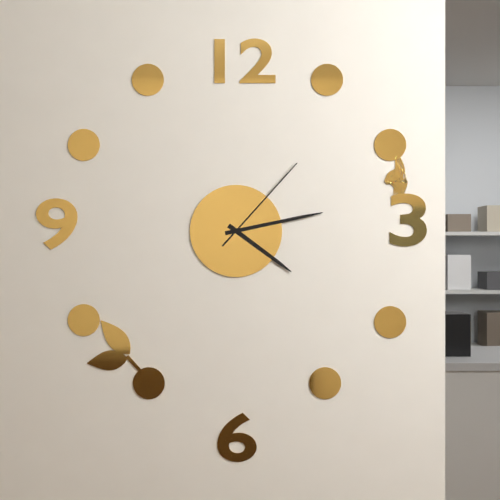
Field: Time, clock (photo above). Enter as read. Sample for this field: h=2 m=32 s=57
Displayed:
h=4 m=13 s=7
